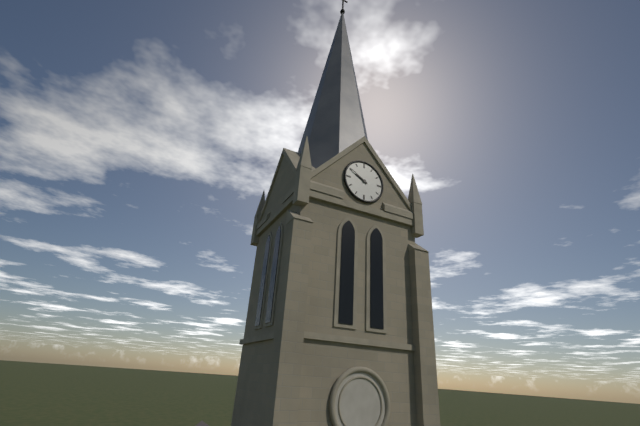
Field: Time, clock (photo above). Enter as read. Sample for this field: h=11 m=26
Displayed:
h=9 m=50
